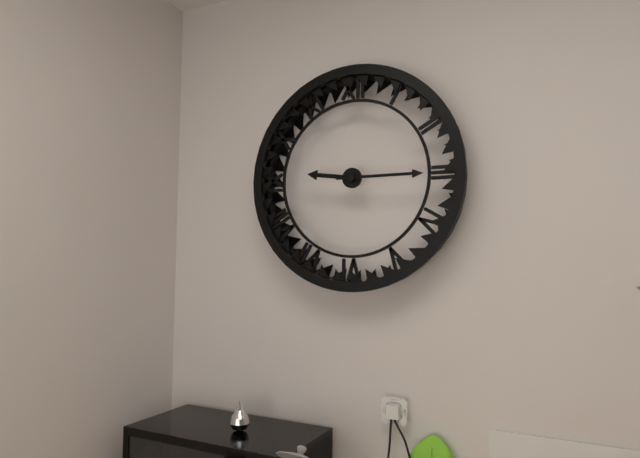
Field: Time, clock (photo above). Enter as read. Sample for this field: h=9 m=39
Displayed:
h=9 m=15
